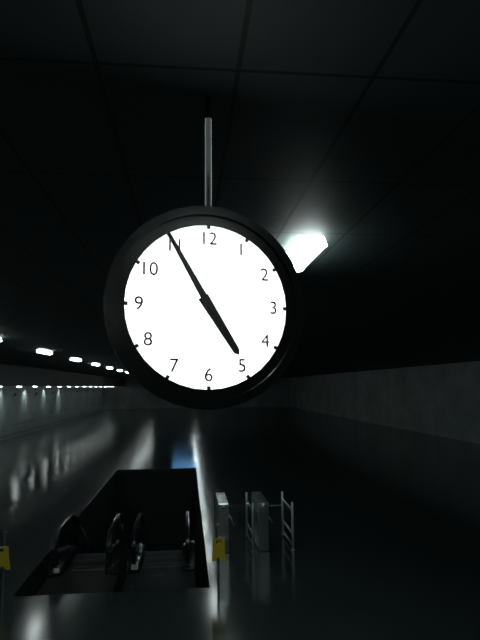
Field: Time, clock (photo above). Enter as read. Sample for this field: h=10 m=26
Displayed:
h=4 m=55
